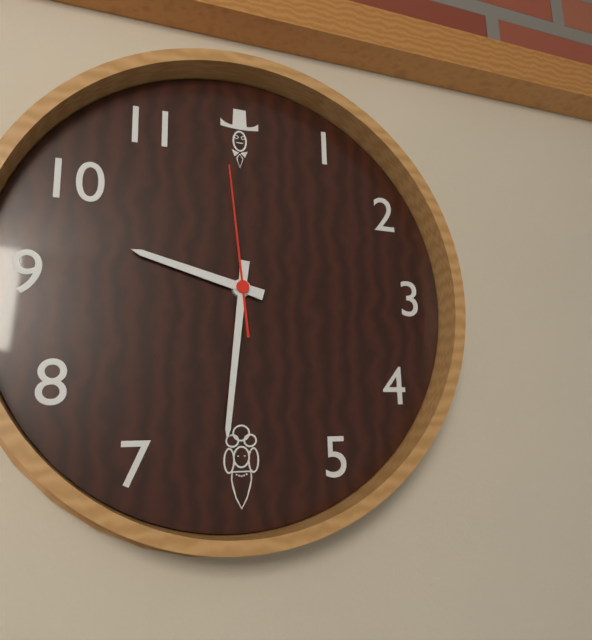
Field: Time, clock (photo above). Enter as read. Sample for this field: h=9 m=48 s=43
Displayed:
h=9 m=31 s=59
